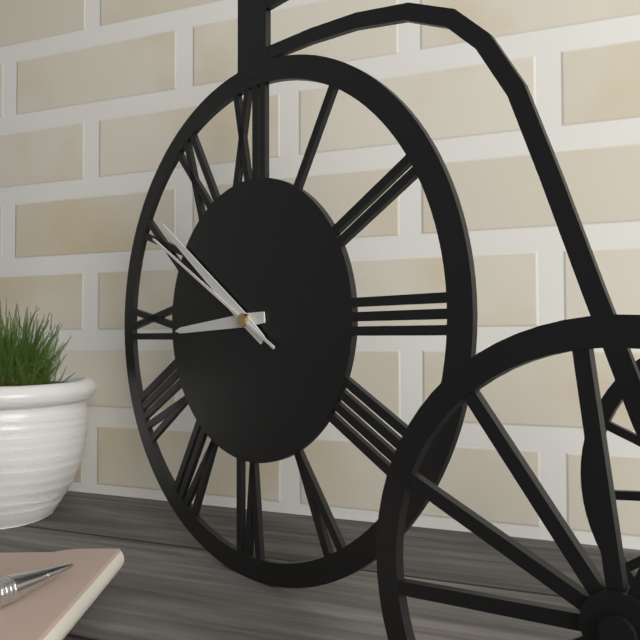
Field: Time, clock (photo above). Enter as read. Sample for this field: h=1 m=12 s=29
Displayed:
h=8 m=51 s=50
